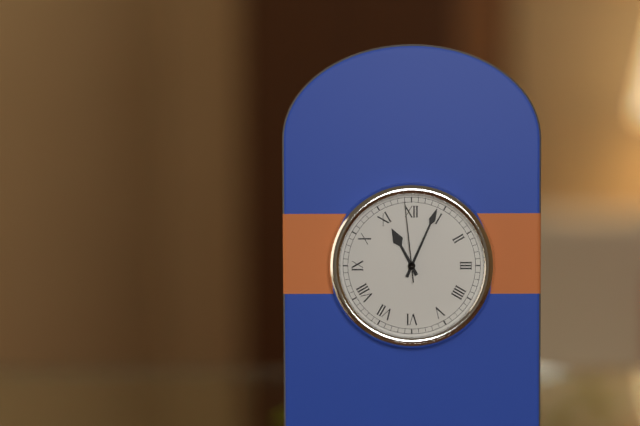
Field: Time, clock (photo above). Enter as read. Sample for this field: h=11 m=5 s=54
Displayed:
h=11 m=4 s=59
